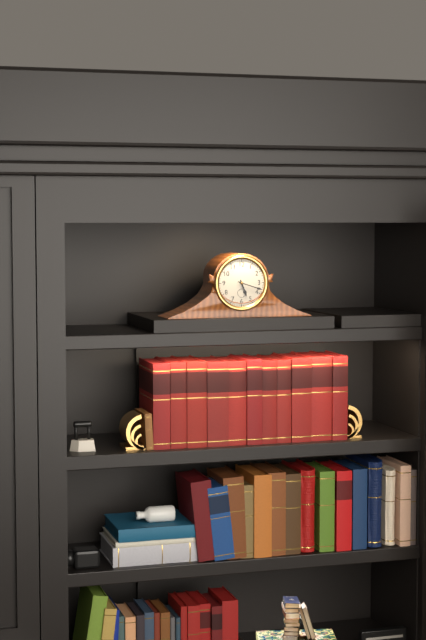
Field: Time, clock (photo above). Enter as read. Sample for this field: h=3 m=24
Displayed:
h=5 m=18
